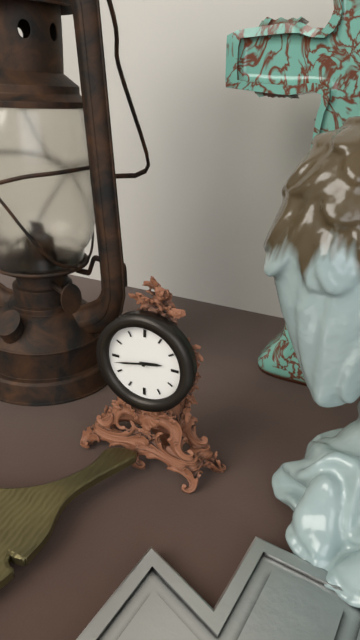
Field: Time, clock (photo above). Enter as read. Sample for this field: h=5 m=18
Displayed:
h=2 m=43
